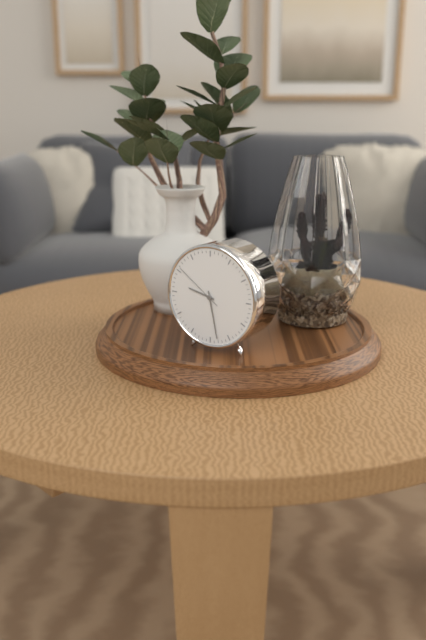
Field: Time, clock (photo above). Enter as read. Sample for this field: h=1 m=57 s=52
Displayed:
h=9 m=28 s=51
